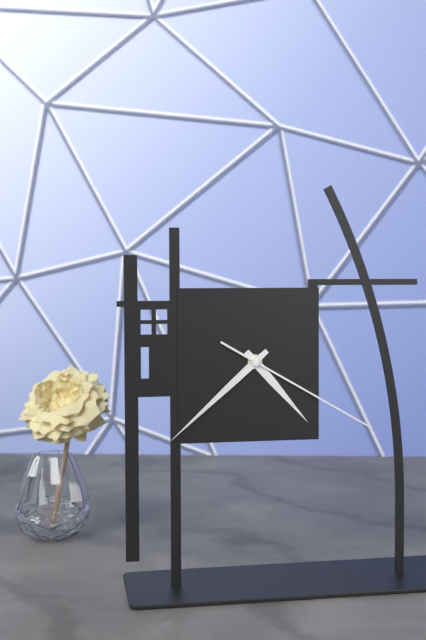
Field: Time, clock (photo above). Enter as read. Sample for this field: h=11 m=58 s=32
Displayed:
h=4 m=38 s=20
